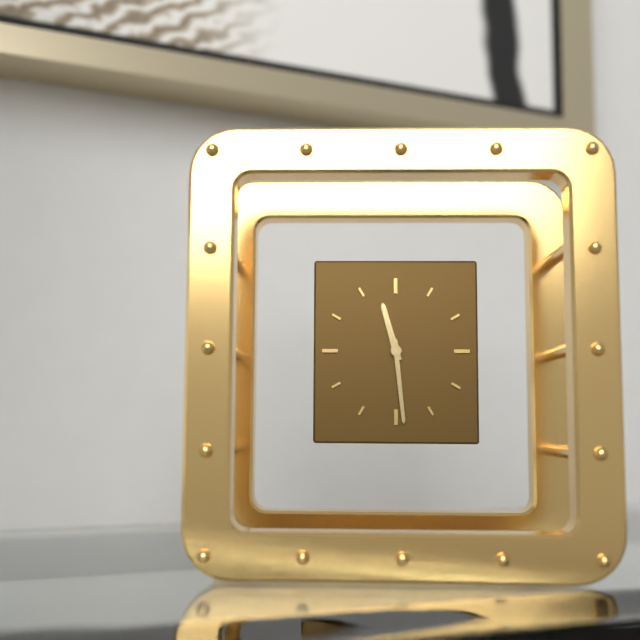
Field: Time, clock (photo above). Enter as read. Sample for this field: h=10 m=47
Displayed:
h=11 m=29
